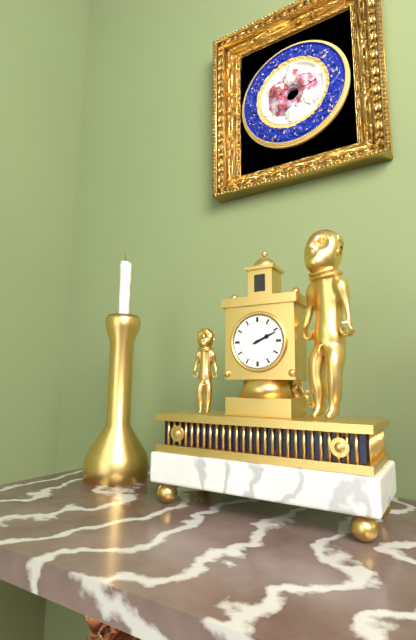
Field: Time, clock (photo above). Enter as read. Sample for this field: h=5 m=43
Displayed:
h=2 m=11
